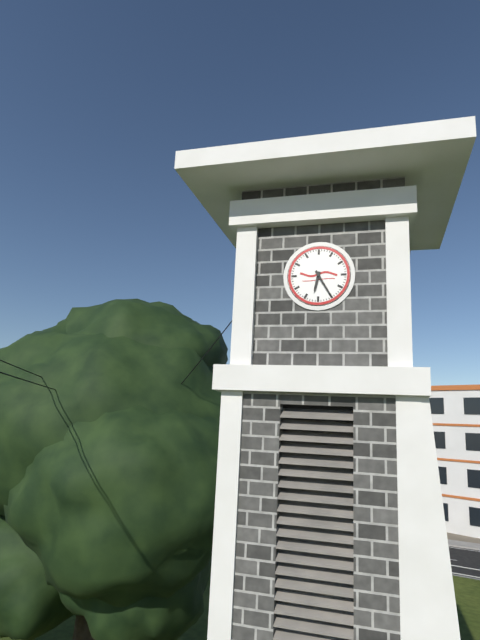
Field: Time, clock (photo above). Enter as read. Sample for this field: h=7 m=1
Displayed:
h=6 m=25
